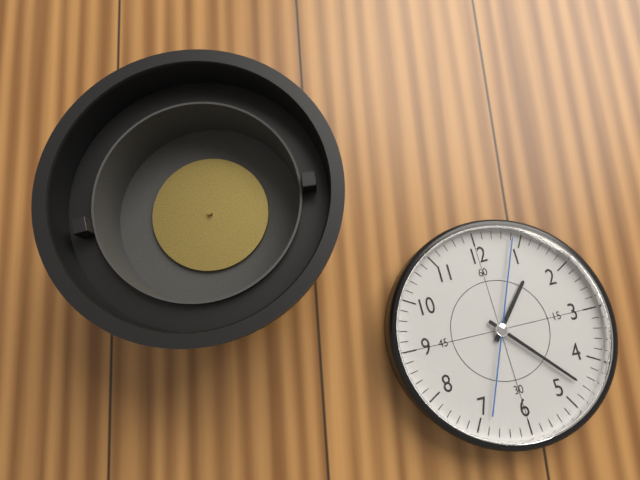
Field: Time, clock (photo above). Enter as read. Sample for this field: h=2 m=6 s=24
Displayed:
h=1 m=23 s=4
